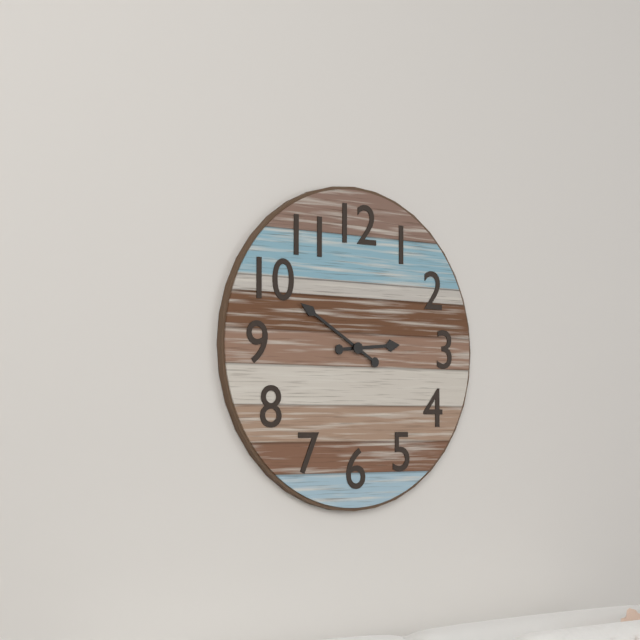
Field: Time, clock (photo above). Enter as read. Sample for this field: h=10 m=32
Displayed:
h=2 m=50
